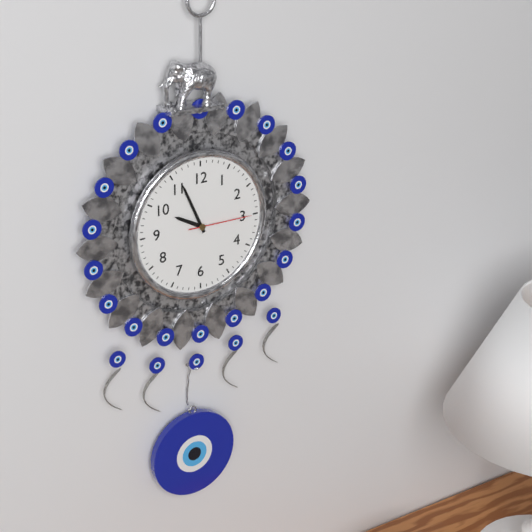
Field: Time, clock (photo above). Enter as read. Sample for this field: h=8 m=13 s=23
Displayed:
h=9 m=56 s=15
